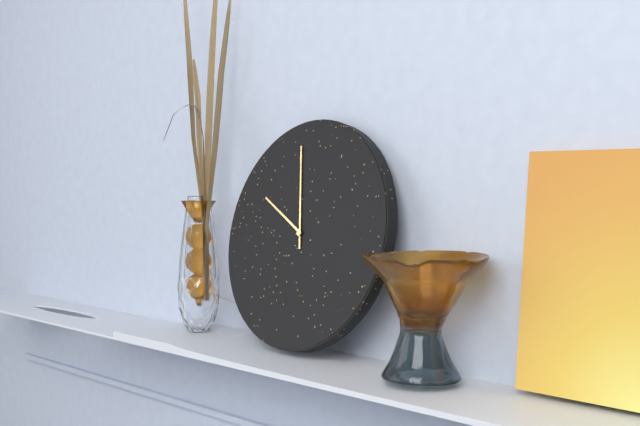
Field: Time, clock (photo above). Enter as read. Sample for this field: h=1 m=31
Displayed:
h=9 m=58
